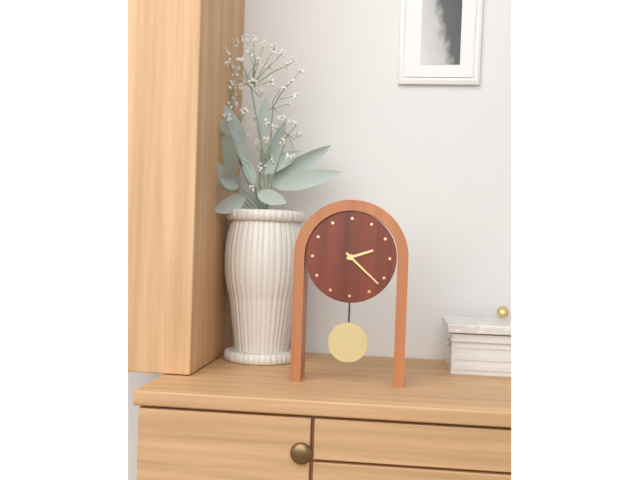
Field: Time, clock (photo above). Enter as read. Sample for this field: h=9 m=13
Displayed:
h=2 m=22
